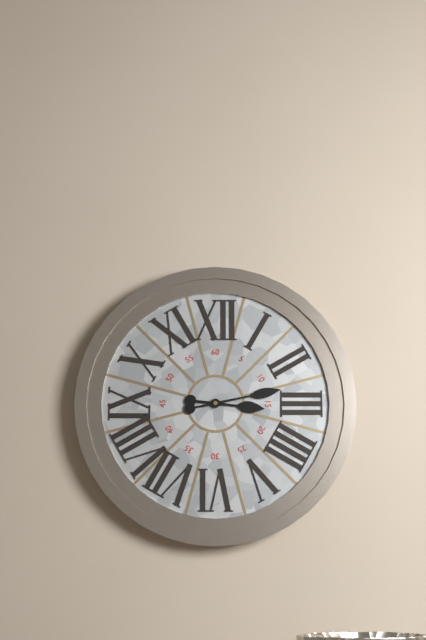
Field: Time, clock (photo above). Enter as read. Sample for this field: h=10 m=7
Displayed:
h=3 m=13
